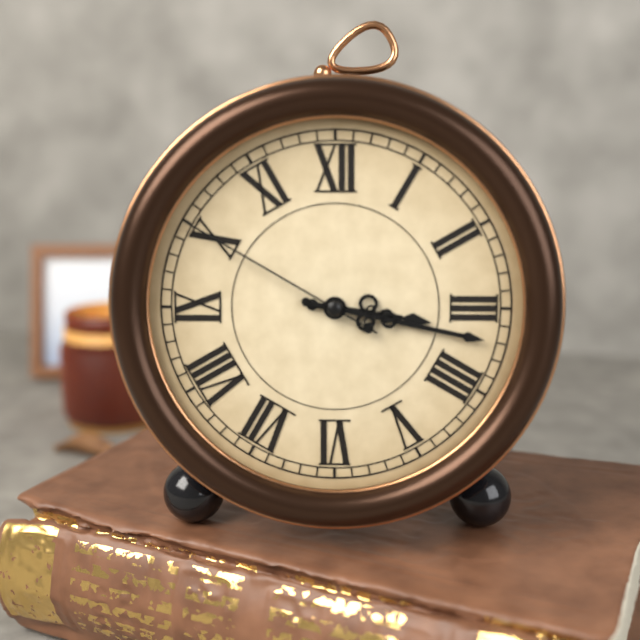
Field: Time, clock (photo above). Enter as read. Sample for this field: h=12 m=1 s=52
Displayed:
h=3 m=17 s=50
